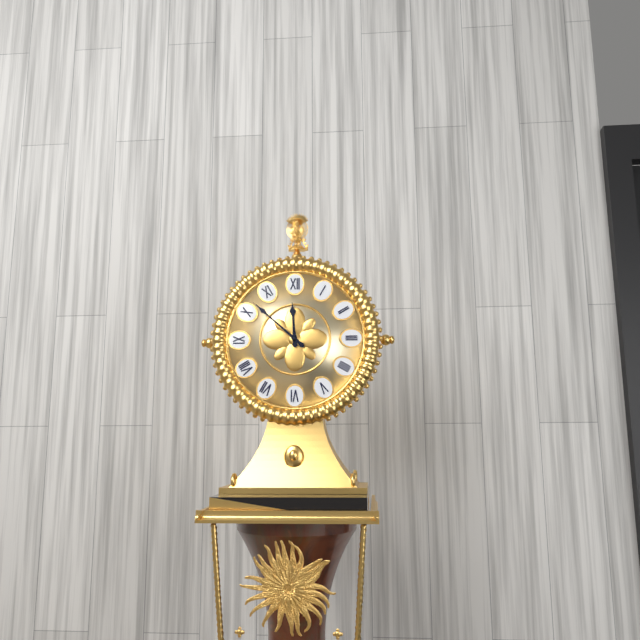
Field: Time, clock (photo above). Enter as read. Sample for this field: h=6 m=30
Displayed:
h=11 m=52
